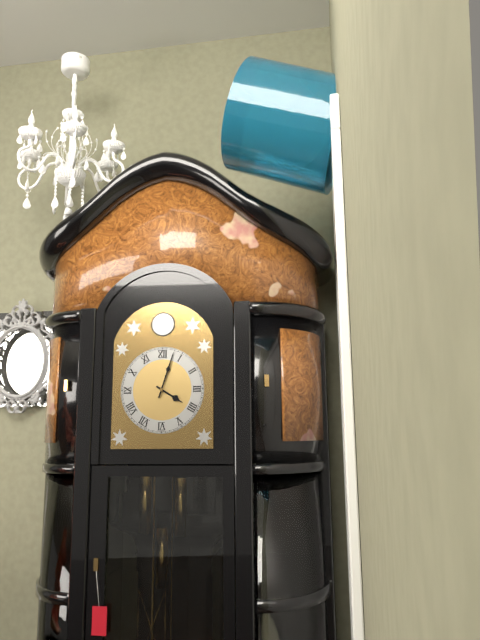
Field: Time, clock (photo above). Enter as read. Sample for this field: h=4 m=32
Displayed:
h=4 m=3
